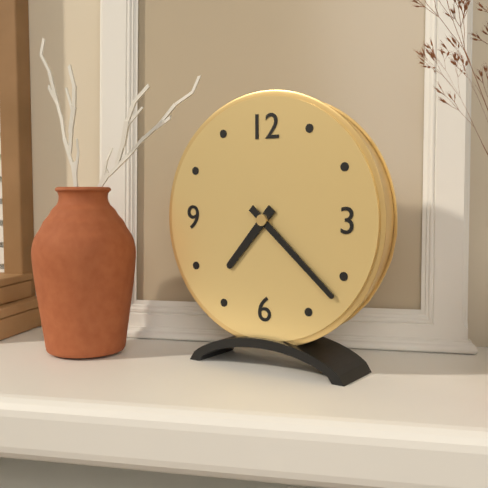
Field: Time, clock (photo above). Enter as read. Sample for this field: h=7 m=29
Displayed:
h=7 m=22
